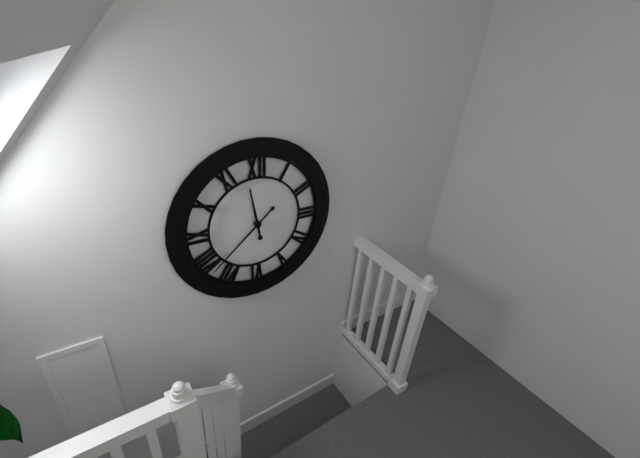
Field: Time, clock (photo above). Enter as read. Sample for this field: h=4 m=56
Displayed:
h=11 m=38
